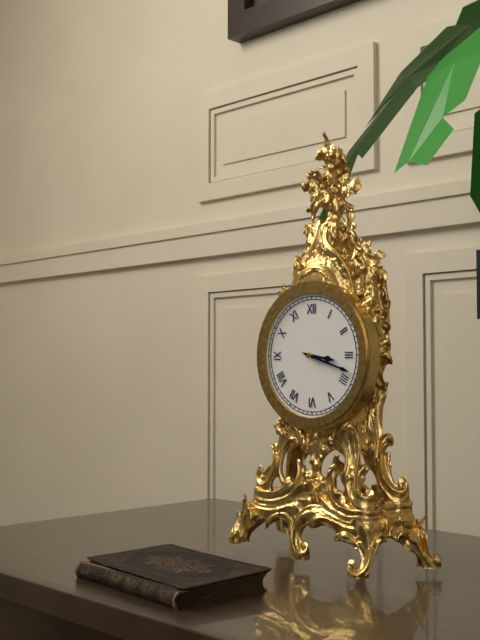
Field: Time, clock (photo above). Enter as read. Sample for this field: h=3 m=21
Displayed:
h=3 m=18
